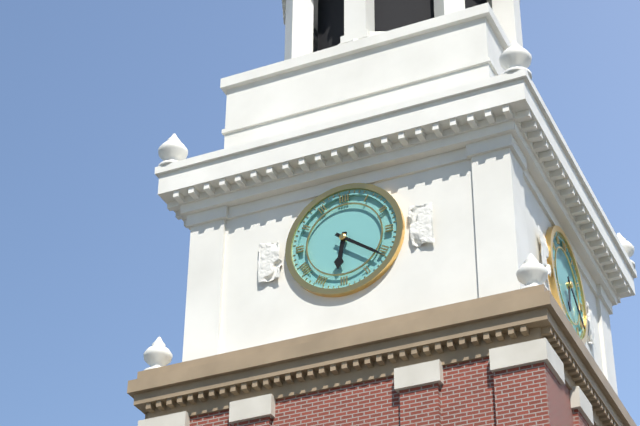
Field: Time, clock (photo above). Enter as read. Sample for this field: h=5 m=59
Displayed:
h=6 m=21
